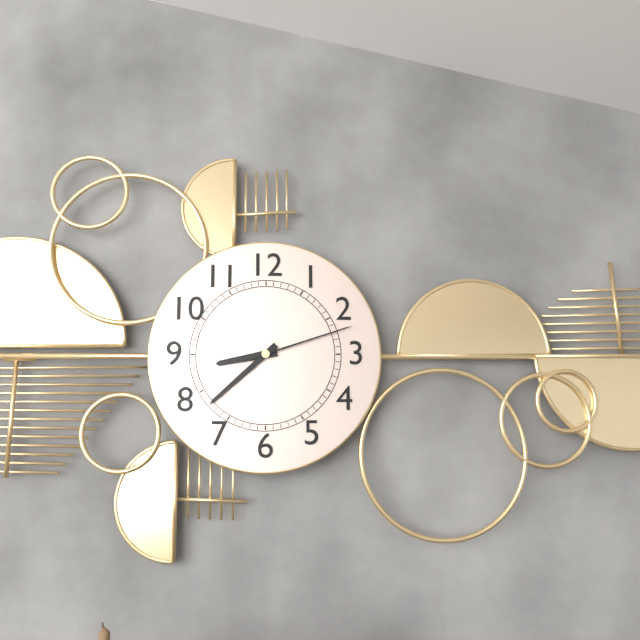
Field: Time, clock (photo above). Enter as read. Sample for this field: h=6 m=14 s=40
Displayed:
h=8 m=38 s=12
